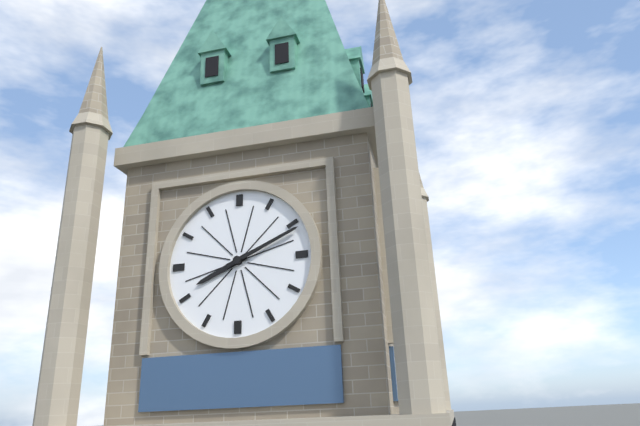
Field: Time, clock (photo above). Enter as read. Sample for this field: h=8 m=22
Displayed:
h=8 m=11
